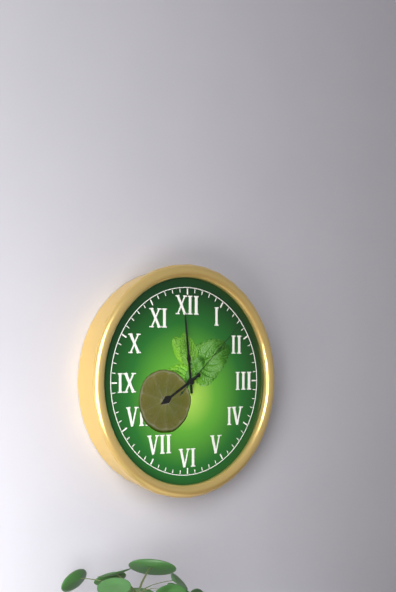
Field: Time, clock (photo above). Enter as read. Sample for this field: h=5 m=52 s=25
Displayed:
h=7 m=59 s=8
